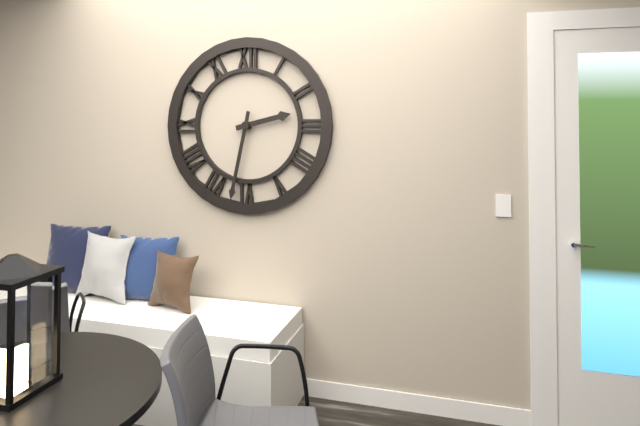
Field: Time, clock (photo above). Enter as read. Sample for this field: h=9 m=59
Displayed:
h=2 m=32
